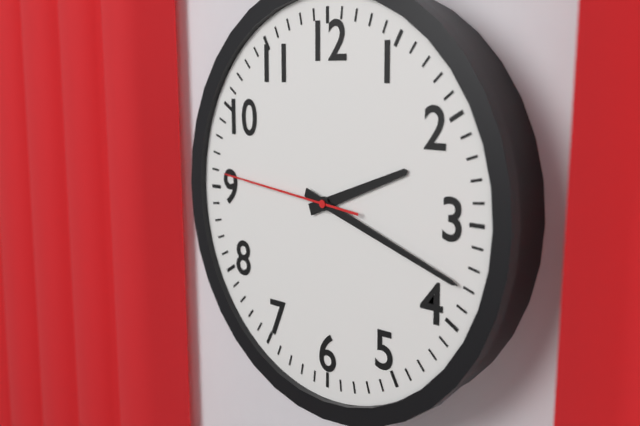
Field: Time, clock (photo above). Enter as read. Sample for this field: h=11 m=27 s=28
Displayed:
h=2 m=18 s=46
